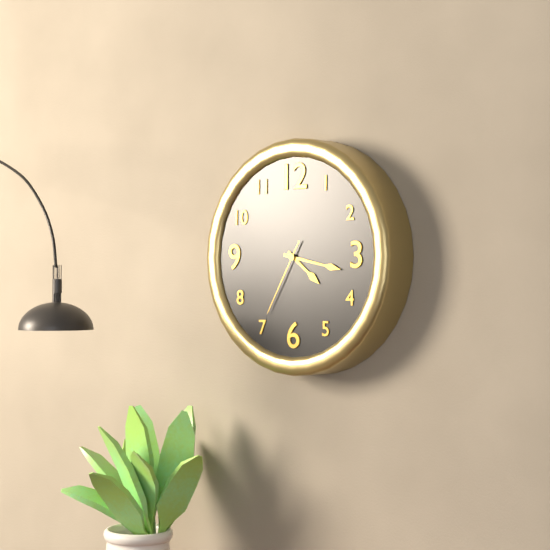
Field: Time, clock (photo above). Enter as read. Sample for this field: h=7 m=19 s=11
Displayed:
h=4 m=17 s=35
